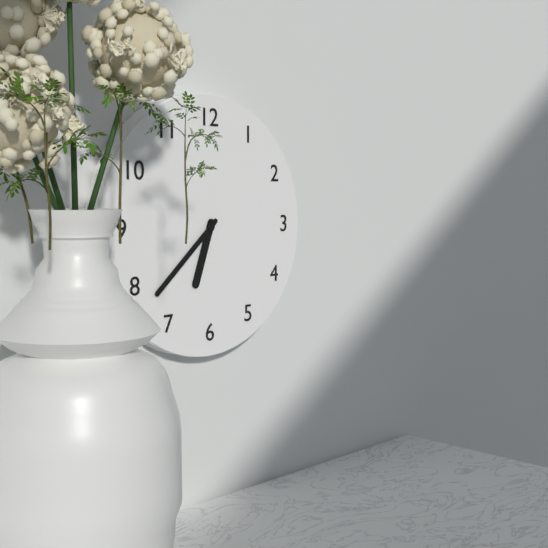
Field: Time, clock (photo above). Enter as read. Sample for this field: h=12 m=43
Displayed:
h=6 m=38
